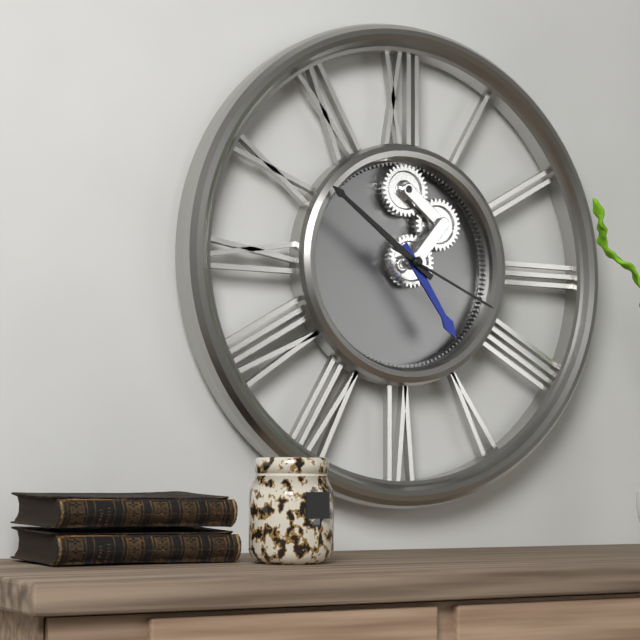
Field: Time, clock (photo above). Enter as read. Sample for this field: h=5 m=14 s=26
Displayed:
h=4 m=51 s=19
